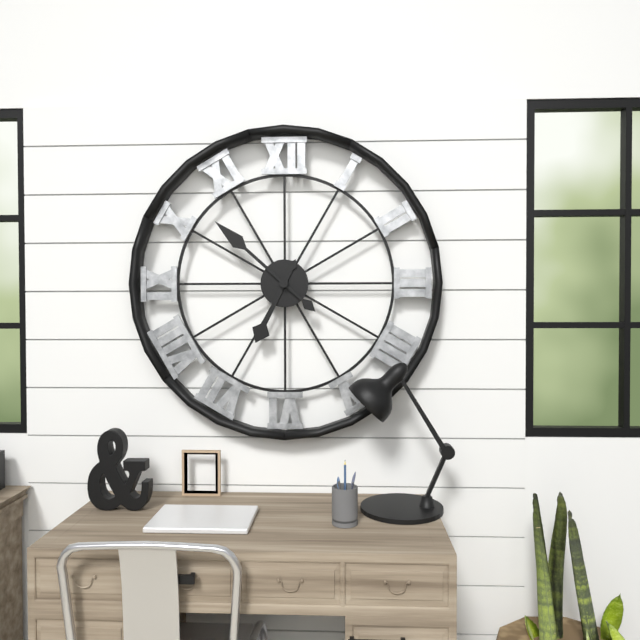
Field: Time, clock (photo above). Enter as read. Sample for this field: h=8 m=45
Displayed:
h=6 m=52
